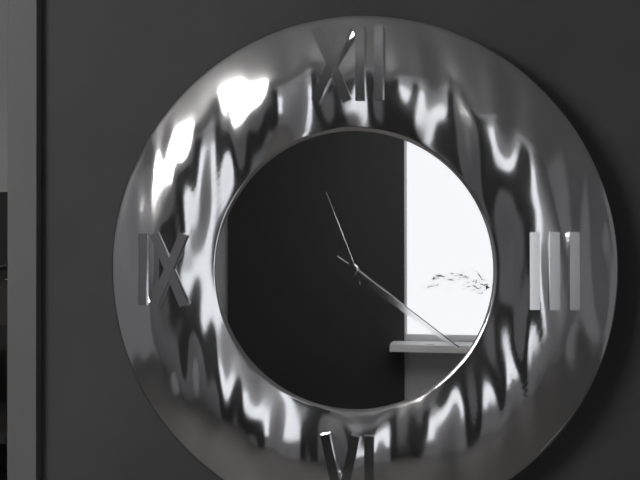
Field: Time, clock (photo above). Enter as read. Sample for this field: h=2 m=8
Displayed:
h=11 m=21
